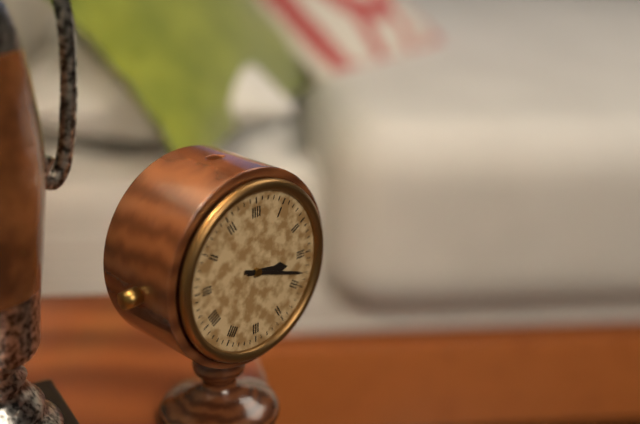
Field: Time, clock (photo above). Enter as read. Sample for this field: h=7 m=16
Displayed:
h=3 m=18
